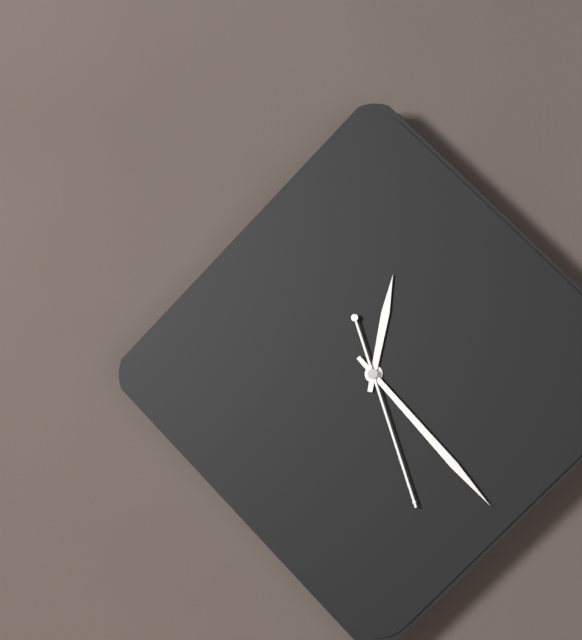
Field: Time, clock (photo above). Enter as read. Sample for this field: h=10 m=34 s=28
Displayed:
h=12 m=23 s=27
